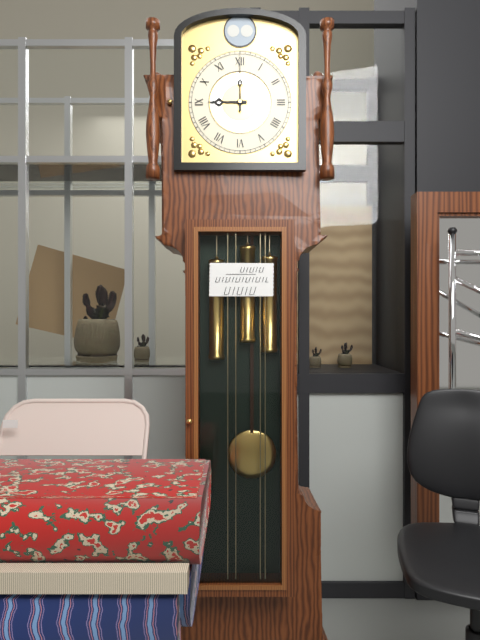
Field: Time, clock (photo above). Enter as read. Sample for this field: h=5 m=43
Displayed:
h=9 m=0
